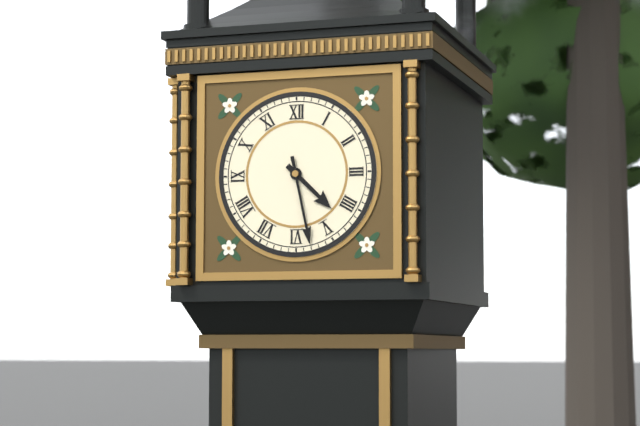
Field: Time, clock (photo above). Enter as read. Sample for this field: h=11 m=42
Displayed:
h=4 m=28
